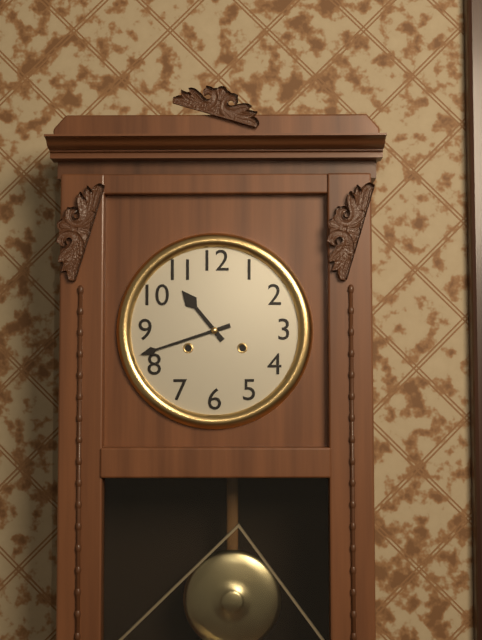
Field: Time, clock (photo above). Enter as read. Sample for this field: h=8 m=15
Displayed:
h=10 m=42
